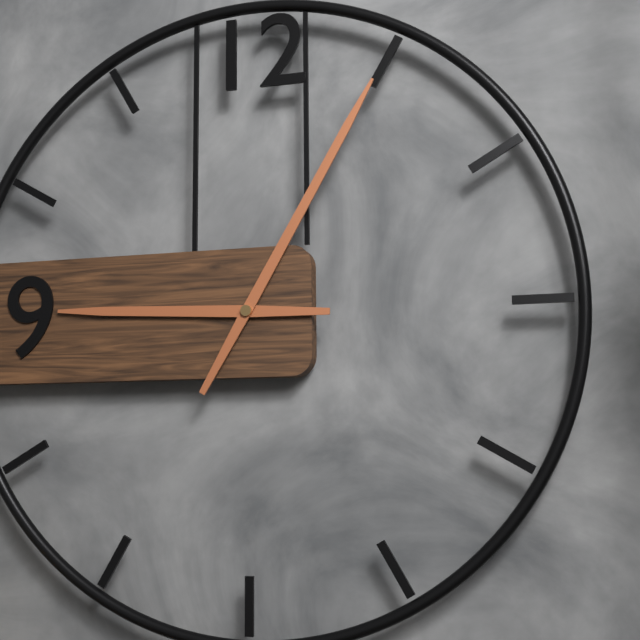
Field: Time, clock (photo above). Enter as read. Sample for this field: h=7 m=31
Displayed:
h=9 m=5
